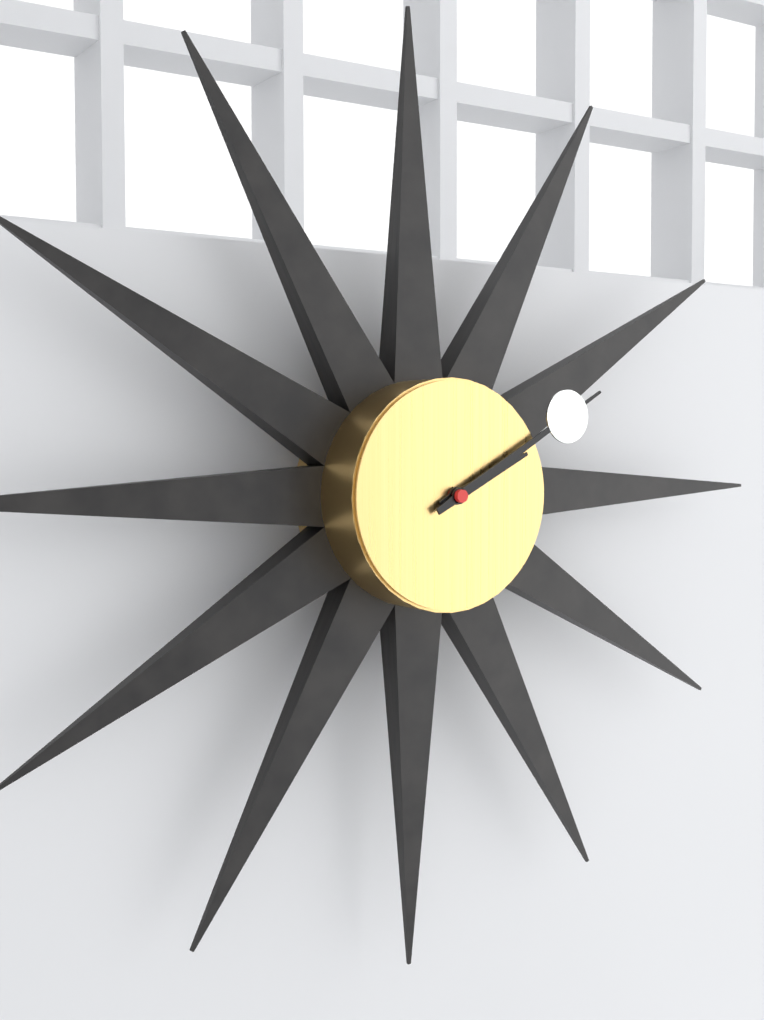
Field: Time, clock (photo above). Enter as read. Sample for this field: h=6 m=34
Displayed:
h=2 m=10
